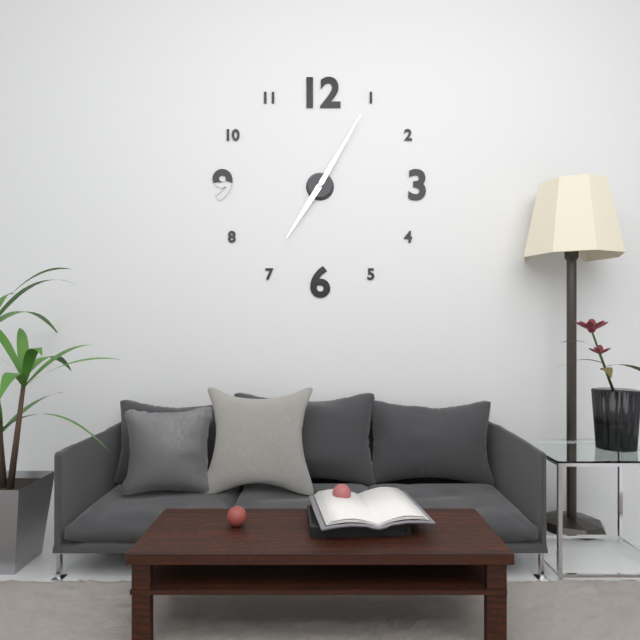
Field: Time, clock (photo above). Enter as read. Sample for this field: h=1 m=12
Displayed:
h=7 m=5
